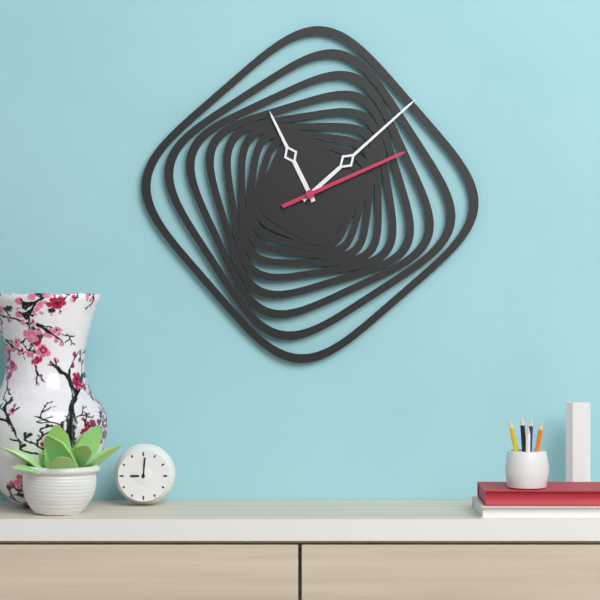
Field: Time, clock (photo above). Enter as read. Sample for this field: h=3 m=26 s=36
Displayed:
h=11 m=8 s=11
